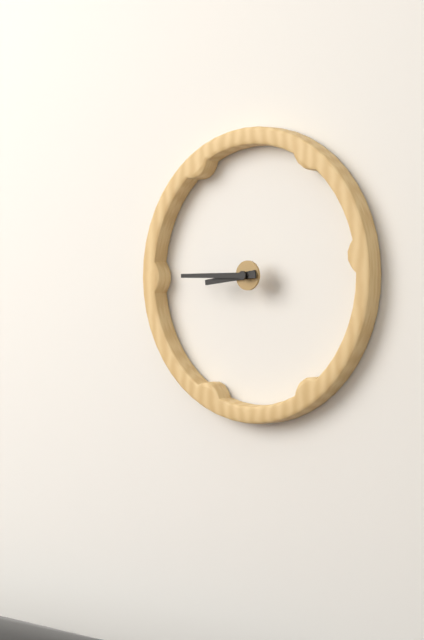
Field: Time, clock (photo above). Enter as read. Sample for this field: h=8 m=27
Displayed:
h=8 m=45
